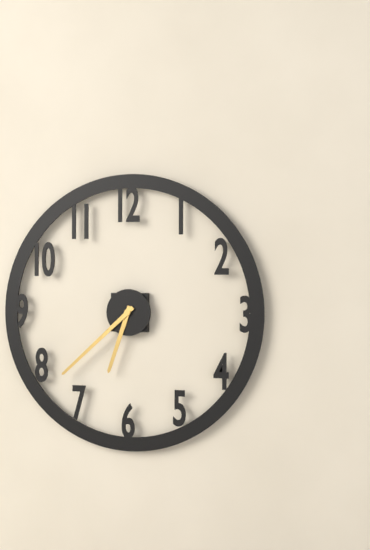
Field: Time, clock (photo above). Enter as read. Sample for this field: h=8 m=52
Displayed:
h=6 m=38
